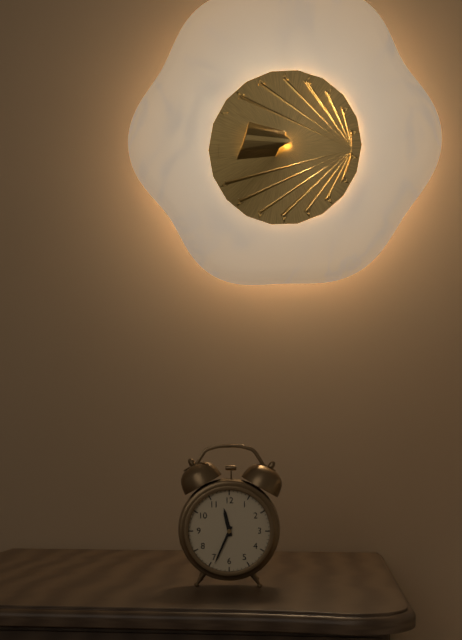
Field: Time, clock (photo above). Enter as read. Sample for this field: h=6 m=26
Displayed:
h=11 m=34
